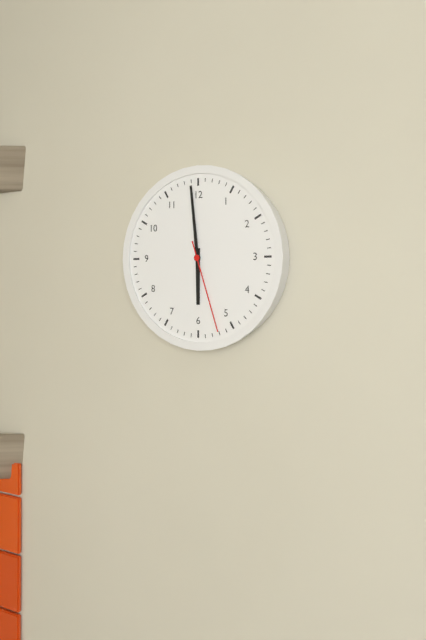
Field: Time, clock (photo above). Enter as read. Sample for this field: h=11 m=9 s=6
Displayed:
h=5 m=59 s=27
